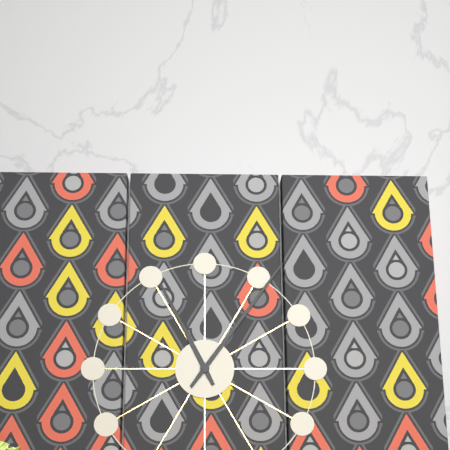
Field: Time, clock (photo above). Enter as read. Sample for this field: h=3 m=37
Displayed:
h=11 m=6
